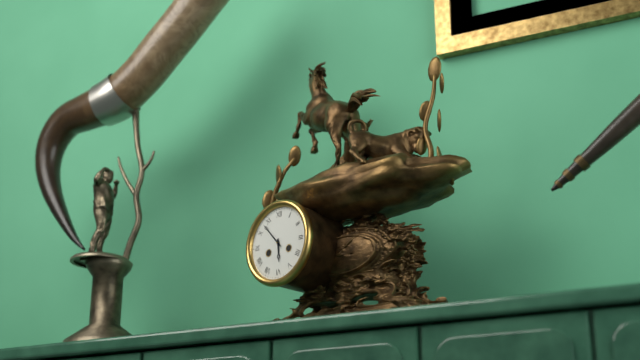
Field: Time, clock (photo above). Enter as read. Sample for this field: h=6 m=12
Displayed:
h=5 m=53
